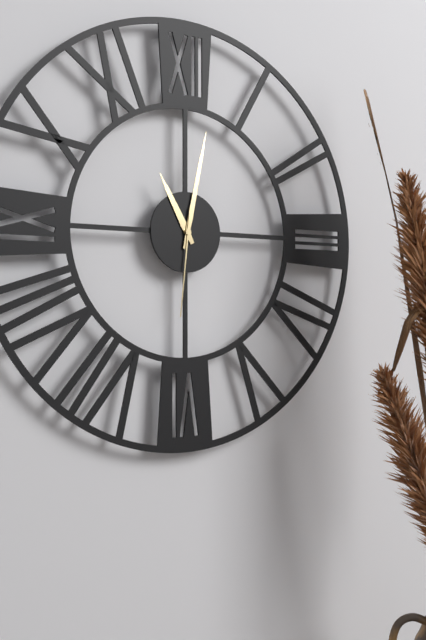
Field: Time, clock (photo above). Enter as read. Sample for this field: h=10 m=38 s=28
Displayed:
h=11 m=2 s=31
